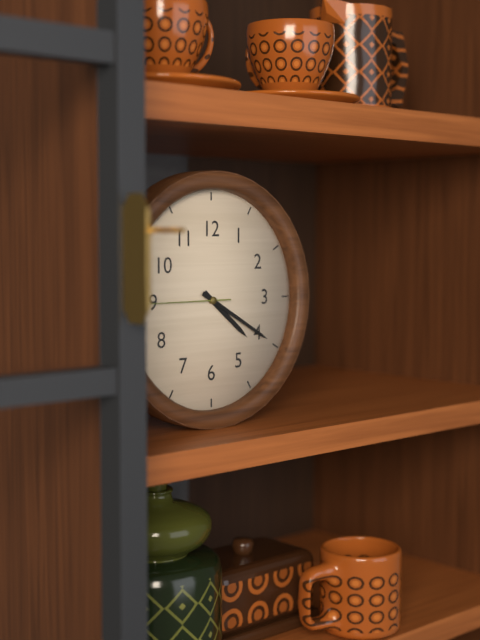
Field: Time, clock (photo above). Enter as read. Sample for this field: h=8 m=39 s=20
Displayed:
h=4 m=20 s=45
